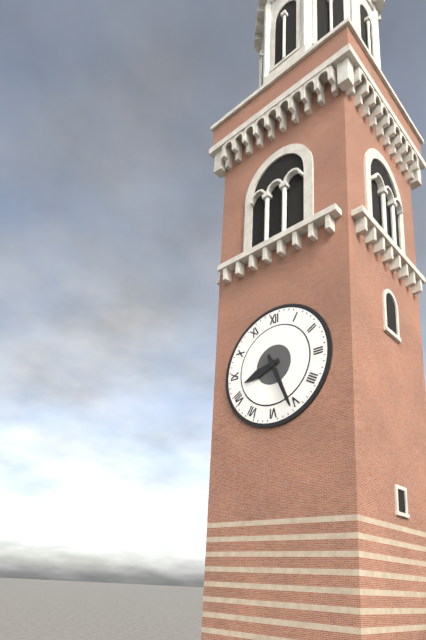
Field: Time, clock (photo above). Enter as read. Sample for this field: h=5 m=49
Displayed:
h=8 m=26
